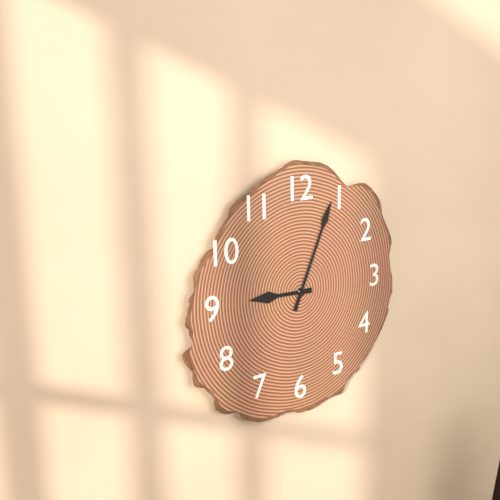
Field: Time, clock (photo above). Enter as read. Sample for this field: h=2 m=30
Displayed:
h=9 m=4
